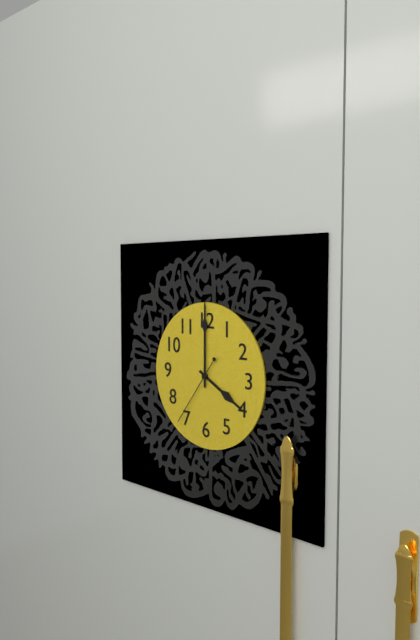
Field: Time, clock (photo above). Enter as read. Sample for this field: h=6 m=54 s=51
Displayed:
h=4 m=0 s=36
